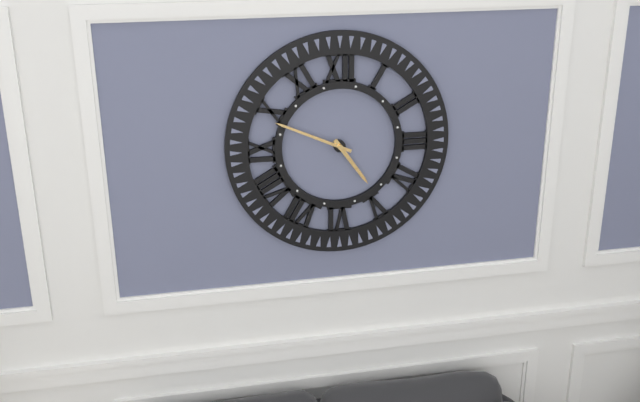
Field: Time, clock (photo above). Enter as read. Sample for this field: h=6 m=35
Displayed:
h=4 m=49
